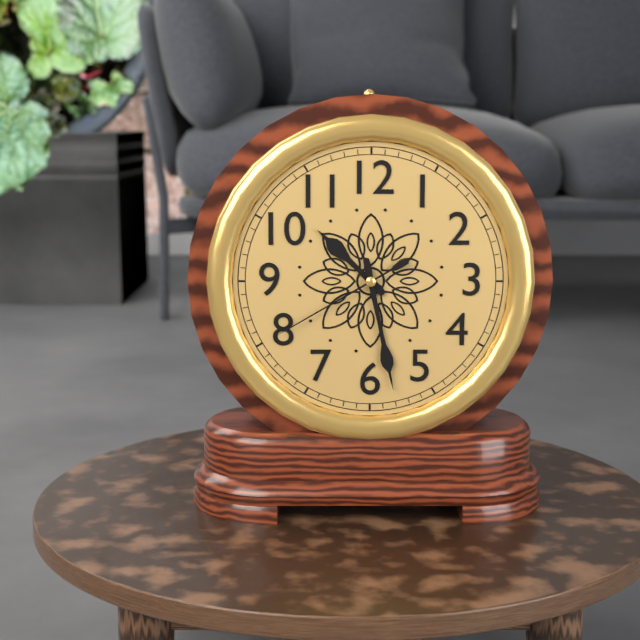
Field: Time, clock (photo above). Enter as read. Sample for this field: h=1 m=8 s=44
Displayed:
h=10 m=28 s=40
